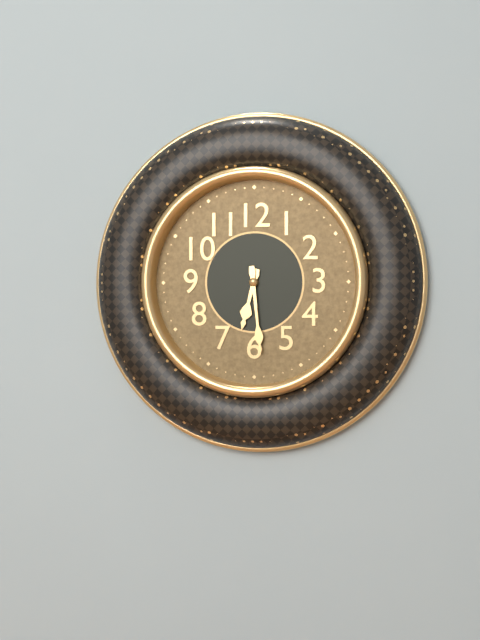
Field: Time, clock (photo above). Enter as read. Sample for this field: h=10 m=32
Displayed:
h=6 m=29
